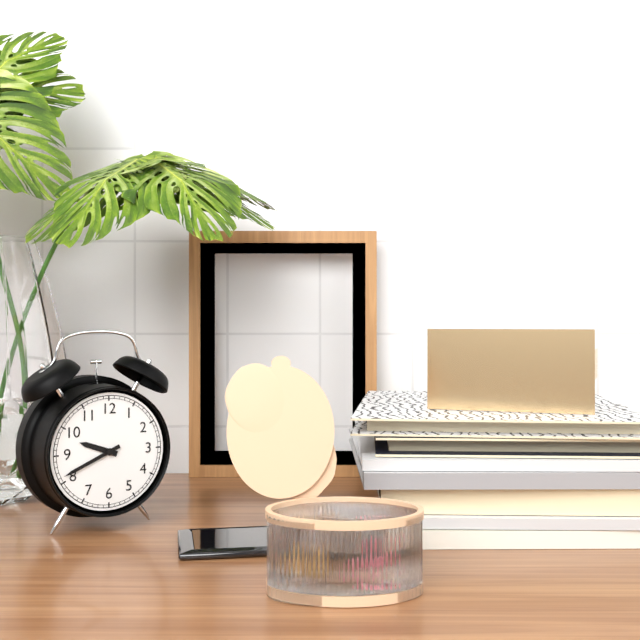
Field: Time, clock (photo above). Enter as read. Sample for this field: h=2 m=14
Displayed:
h=9 m=41
